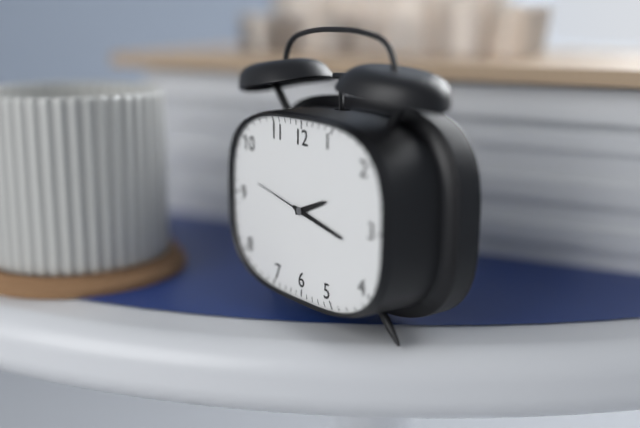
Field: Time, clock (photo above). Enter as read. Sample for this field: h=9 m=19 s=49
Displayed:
h=2 m=17 s=47
